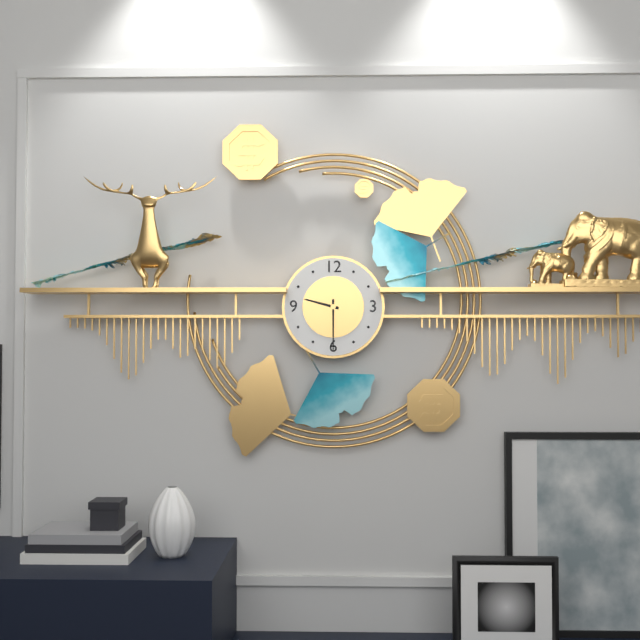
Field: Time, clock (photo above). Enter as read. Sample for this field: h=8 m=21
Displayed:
h=9 m=30
